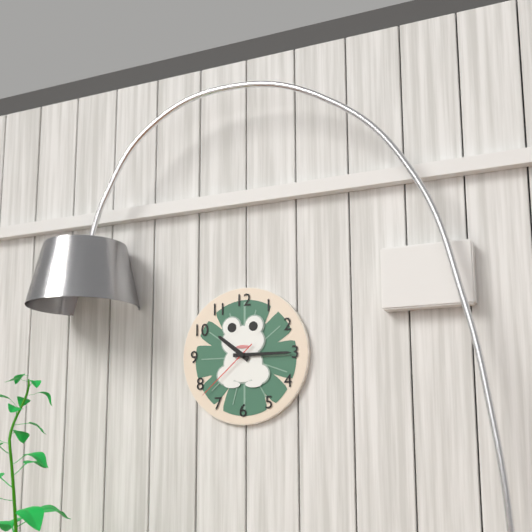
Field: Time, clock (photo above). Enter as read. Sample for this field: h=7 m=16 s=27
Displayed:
h=10 m=15 s=38
